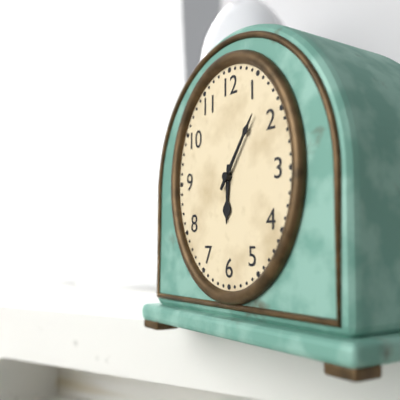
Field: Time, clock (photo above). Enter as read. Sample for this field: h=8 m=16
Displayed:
h=6 m=6
